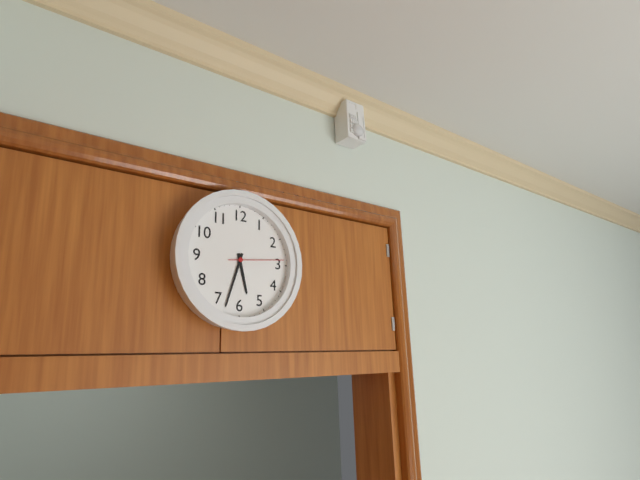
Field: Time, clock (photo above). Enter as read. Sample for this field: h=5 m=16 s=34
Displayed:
h=5 m=33 s=14
